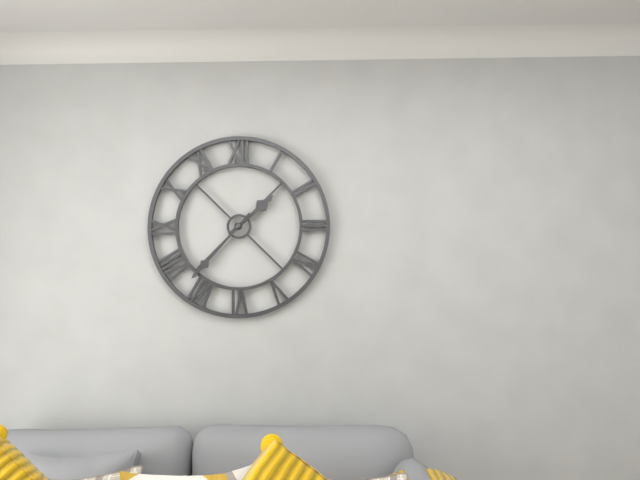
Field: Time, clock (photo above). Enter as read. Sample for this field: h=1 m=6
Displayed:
h=1 m=37
